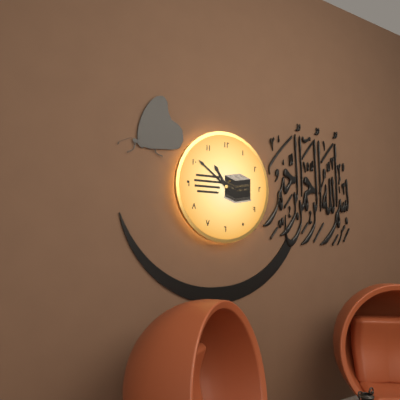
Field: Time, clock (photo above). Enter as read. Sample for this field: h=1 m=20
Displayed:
h=10 m=51
